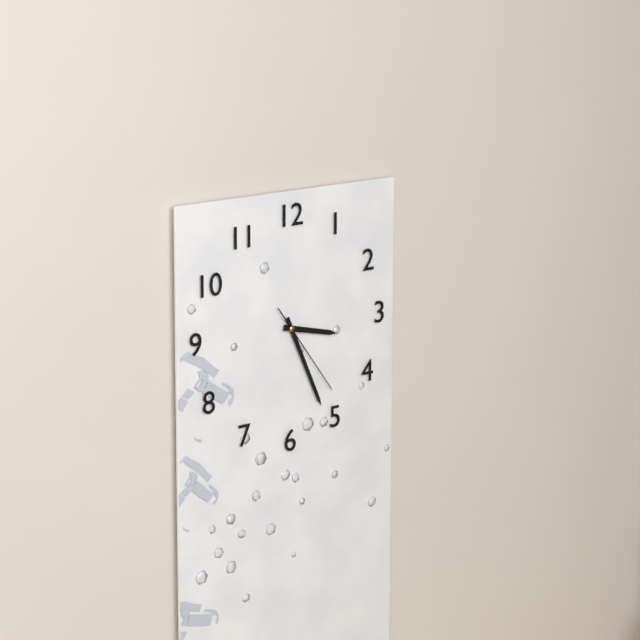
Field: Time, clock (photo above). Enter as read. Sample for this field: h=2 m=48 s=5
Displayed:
h=3 m=26 s=24
